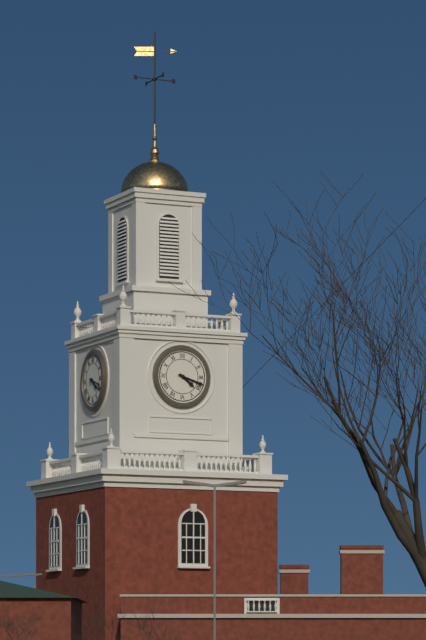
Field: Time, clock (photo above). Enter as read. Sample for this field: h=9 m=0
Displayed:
h=4 m=18
